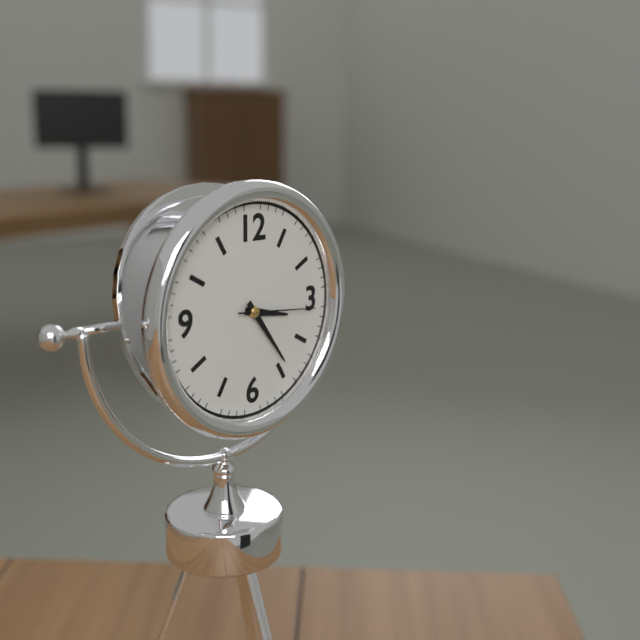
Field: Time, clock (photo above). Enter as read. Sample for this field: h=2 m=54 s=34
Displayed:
h=3 m=24 s=16
